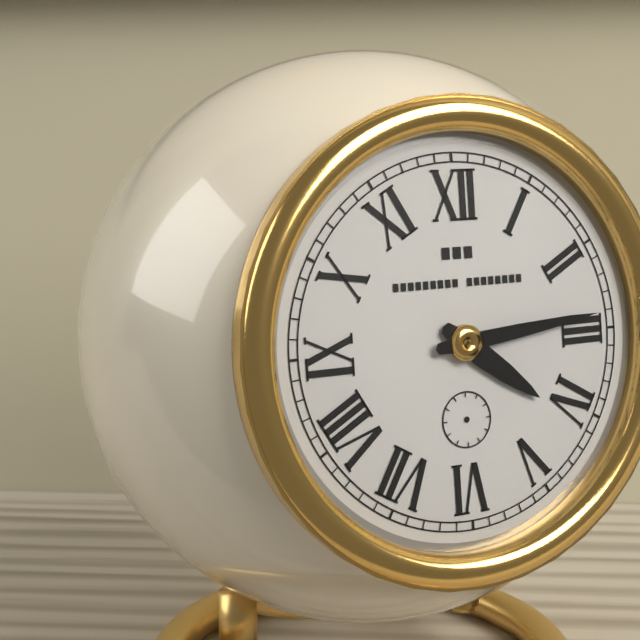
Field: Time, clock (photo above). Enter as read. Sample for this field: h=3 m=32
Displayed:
h=4 m=14
